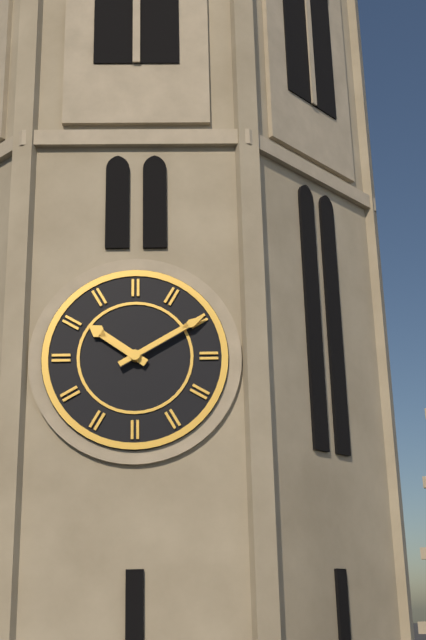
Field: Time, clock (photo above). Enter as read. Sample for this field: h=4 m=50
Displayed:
h=10 m=10
